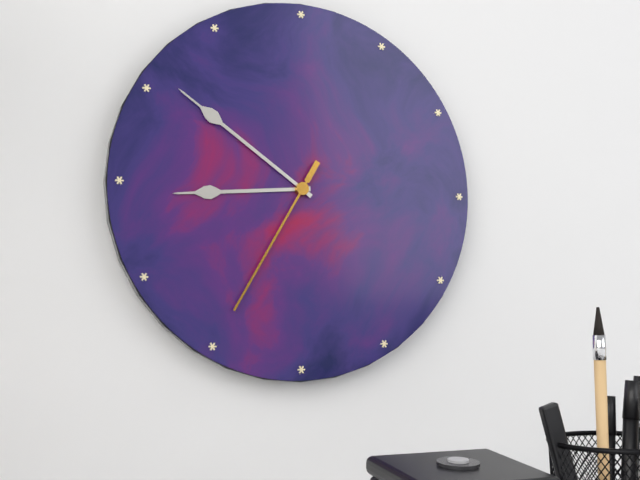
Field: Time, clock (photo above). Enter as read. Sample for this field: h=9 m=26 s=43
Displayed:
h=8 m=51 s=35
